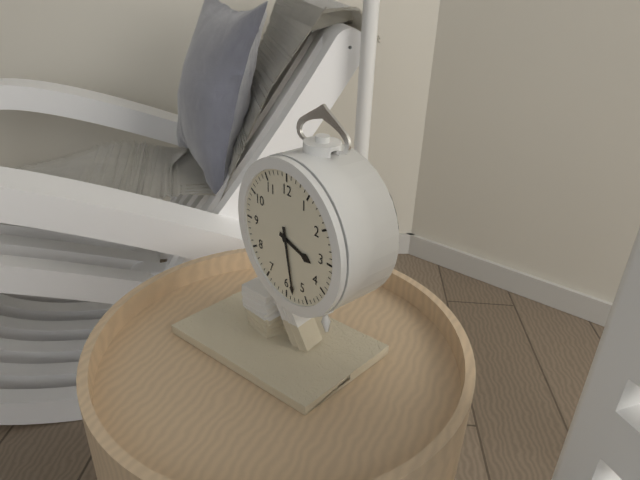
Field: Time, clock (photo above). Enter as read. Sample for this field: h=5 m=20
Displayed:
h=3 m=28
